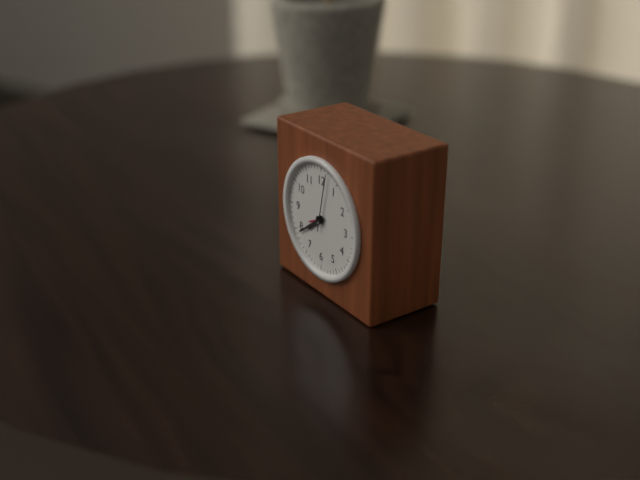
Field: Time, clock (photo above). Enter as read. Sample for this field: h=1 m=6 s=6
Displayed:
h=7 m=39 s=2
